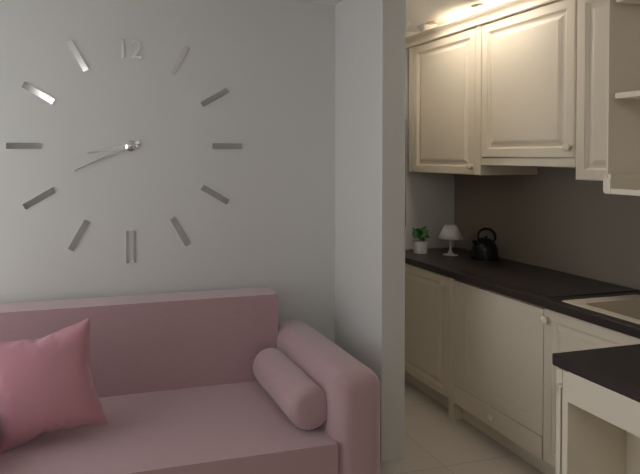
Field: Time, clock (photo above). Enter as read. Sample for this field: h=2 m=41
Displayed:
h=8 m=41
